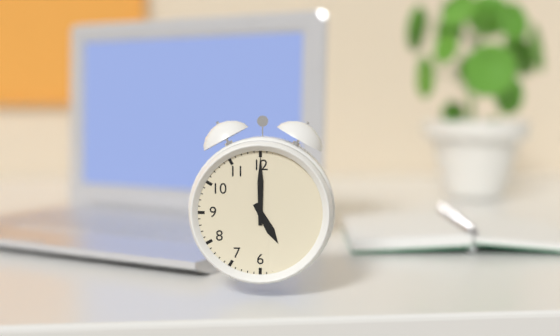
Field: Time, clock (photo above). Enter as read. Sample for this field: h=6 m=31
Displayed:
h=5 m=0
